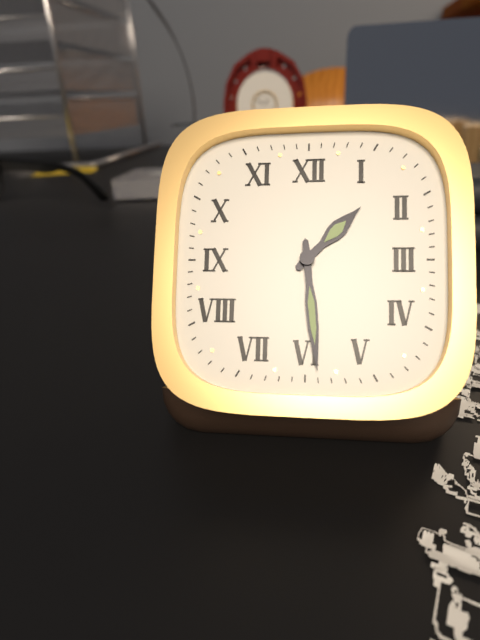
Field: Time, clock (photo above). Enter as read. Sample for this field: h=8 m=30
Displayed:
h=1 m=29
